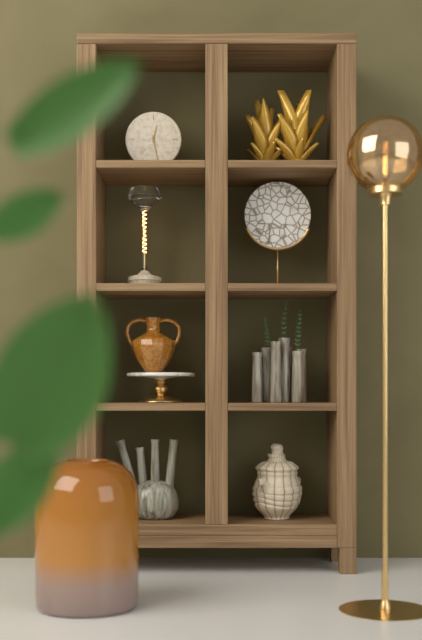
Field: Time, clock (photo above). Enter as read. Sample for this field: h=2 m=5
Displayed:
h=12 m=28
